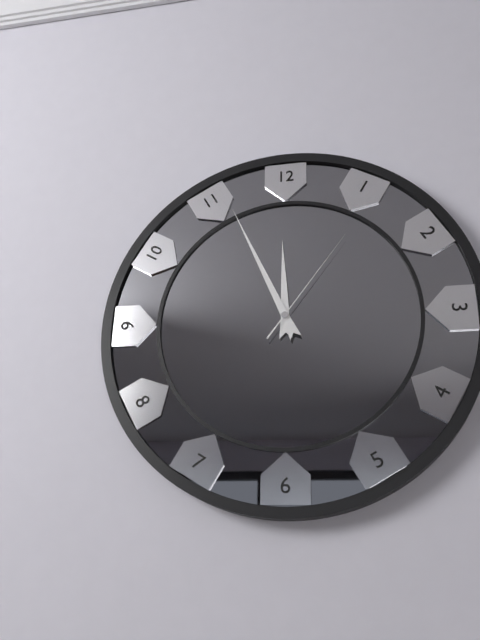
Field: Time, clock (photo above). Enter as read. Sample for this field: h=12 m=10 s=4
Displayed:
h=11 m=56 s=6
